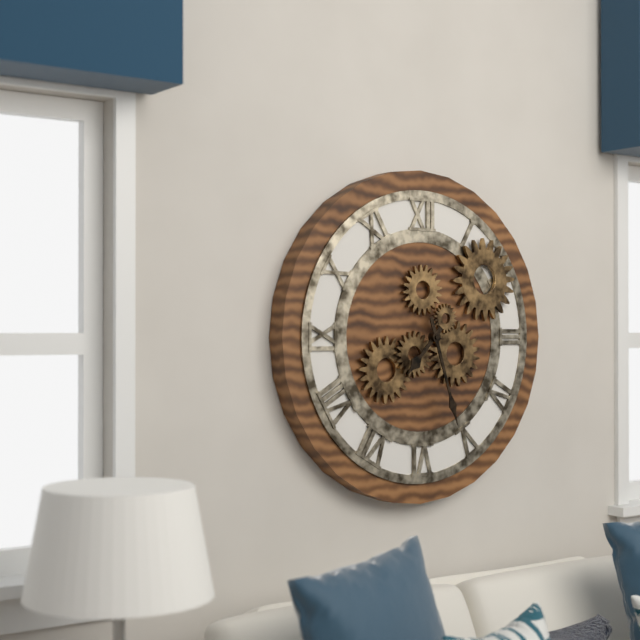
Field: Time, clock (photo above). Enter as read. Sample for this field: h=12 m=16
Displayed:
h=7 m=27
